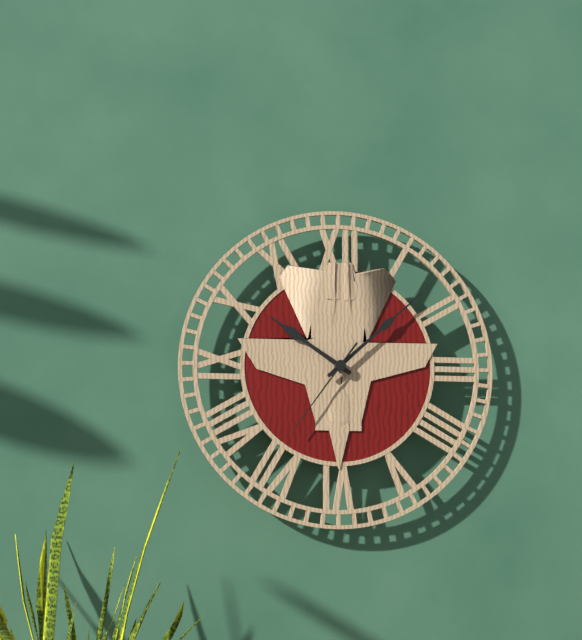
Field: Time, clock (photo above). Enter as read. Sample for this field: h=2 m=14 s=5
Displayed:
h=10 m=8 s=36
